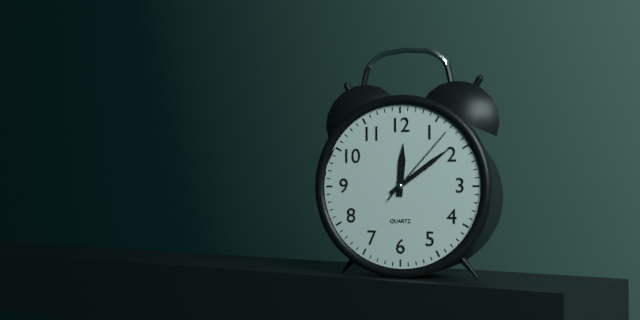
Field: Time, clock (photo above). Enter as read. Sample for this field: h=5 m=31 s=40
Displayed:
h=12 m=9 s=7
